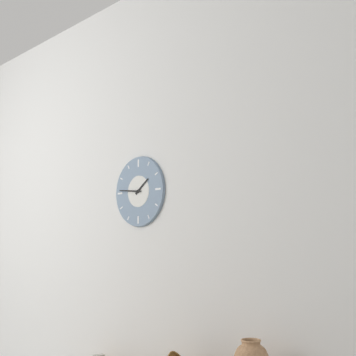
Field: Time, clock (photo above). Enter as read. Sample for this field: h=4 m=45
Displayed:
h=1 m=46
